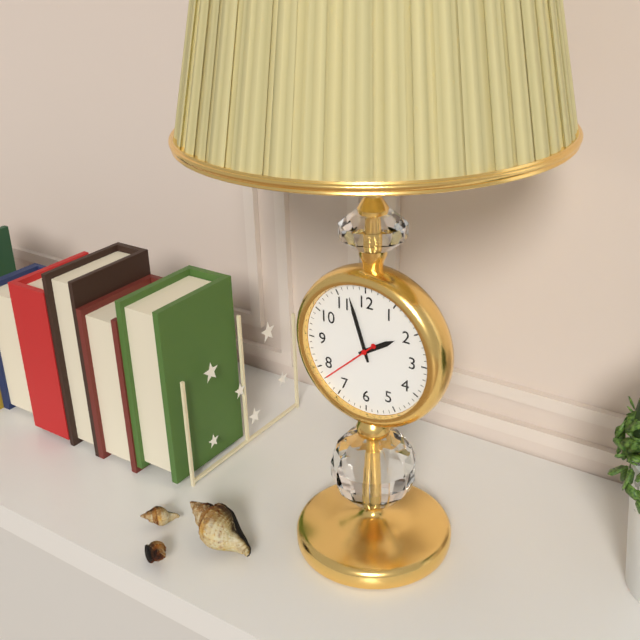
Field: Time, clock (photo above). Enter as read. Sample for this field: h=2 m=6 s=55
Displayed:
h=1 m=57 s=38
